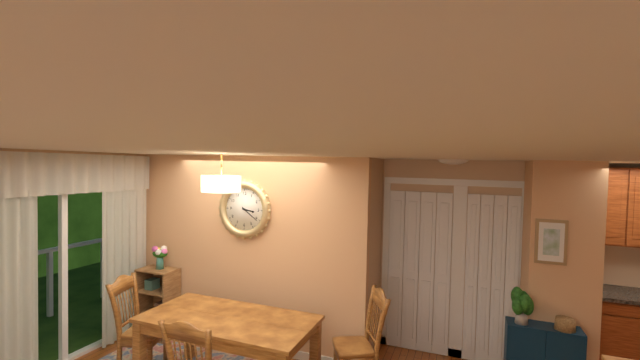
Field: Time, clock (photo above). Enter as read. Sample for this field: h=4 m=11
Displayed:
h=3 m=21
